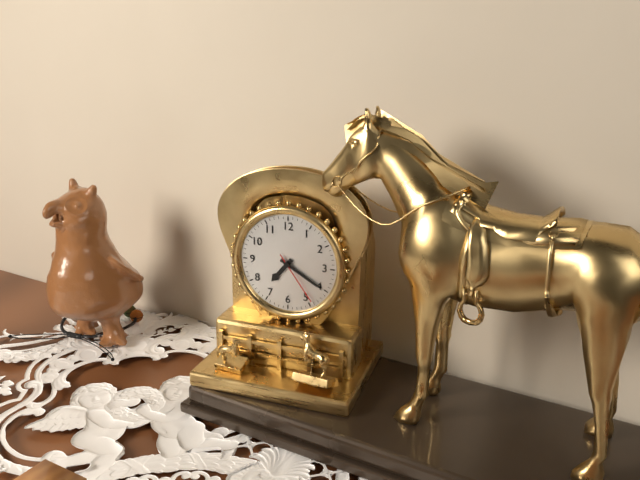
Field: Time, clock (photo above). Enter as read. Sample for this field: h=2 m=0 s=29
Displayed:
h=7 m=20 s=24
